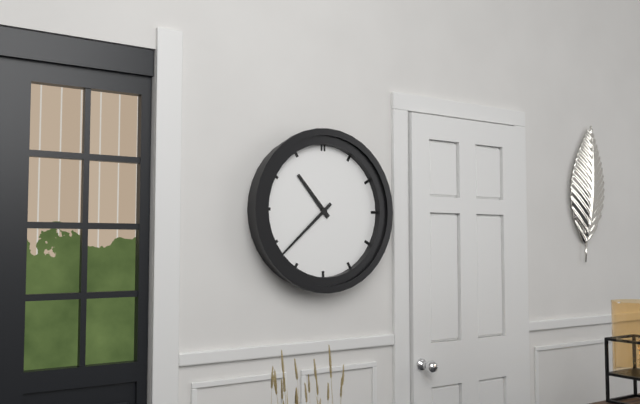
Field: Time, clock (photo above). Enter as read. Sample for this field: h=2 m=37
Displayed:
h=10 m=38
